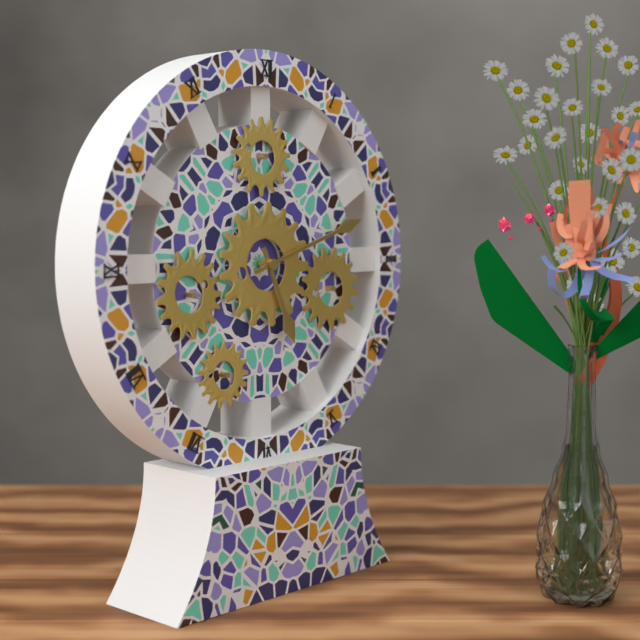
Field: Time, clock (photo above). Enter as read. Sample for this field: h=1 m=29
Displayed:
h=5 m=12
